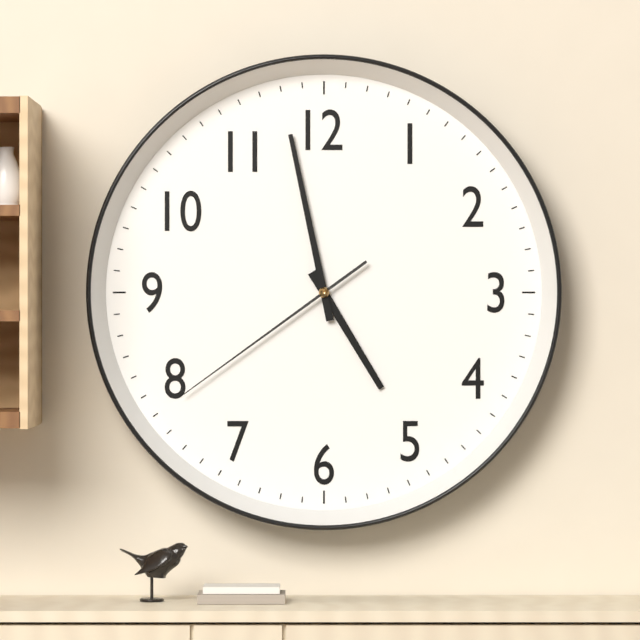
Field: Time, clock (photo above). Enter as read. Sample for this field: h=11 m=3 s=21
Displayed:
h=4 m=58 s=39
